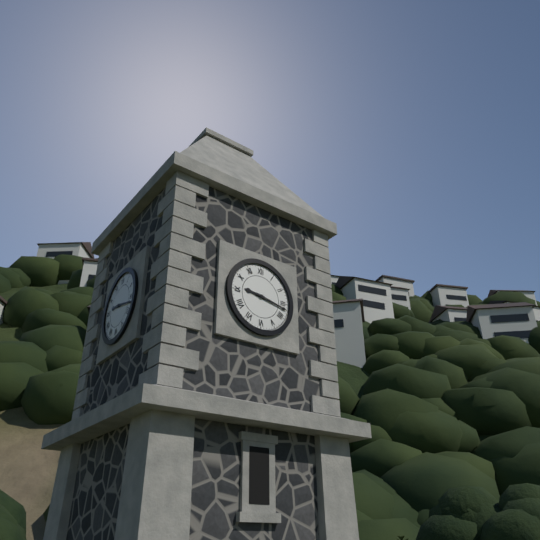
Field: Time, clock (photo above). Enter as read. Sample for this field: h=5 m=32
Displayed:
h=9 m=17
